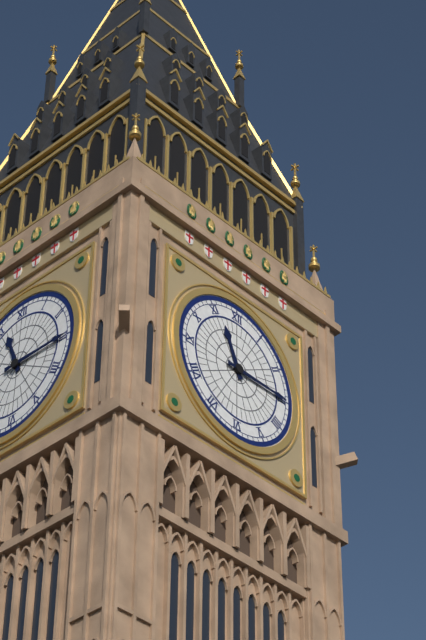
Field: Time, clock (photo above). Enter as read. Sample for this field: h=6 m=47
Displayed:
h=11 m=15
